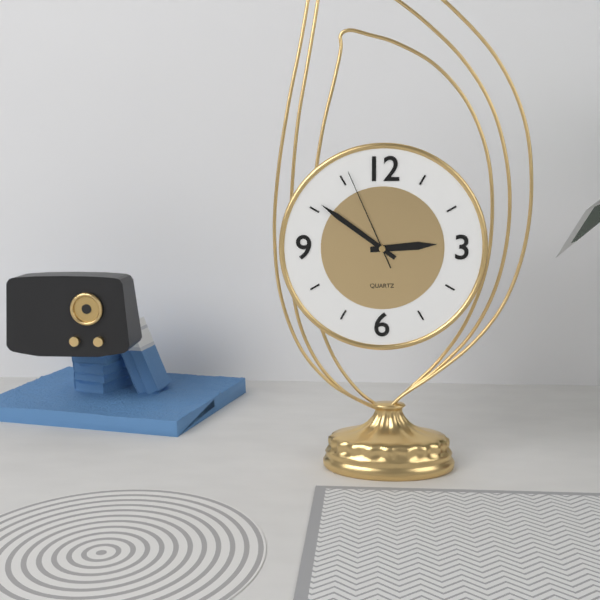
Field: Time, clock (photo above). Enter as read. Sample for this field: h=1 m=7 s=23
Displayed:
h=2 m=51 s=56
